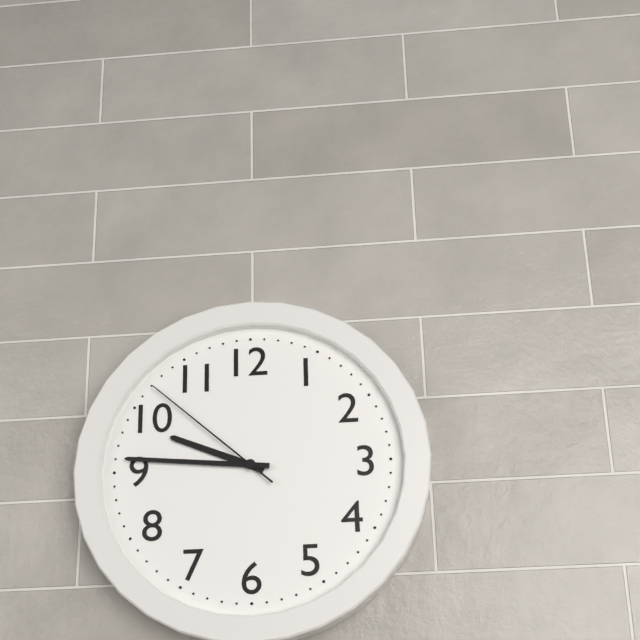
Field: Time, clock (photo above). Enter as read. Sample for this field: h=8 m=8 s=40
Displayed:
h=9 m=46 s=52
